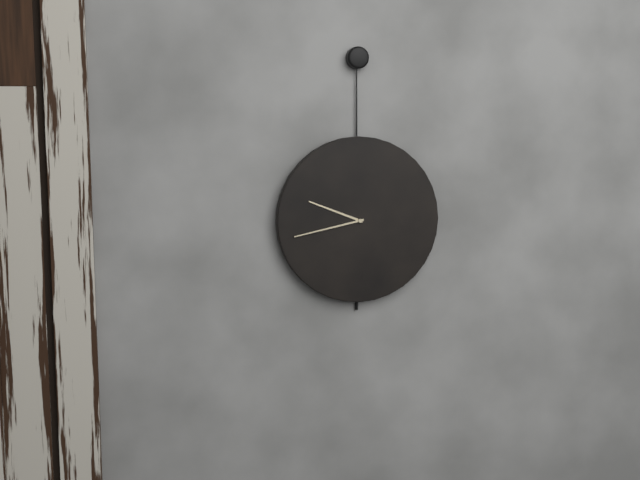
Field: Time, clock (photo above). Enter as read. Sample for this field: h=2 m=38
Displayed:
h=9 m=43
